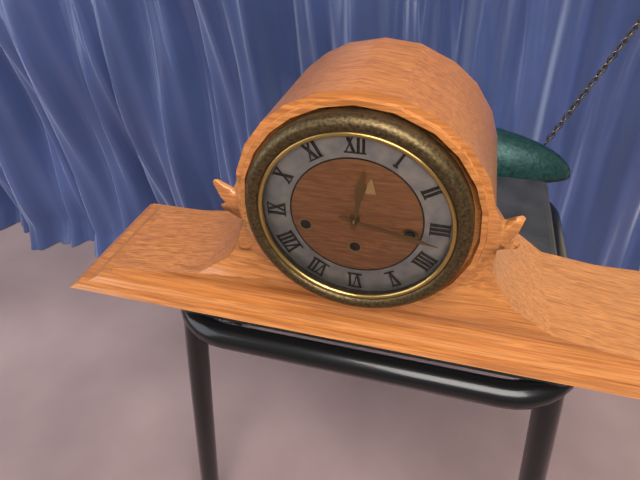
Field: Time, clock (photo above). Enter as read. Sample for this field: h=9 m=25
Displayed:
h=12 m=17
